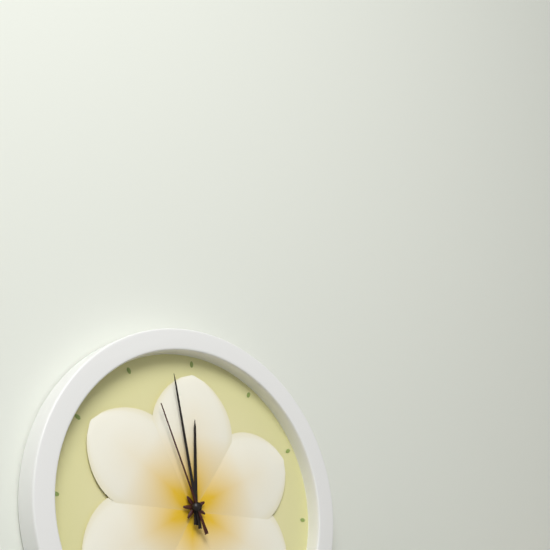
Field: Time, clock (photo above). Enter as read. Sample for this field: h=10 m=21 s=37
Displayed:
h=11 m=58 s=56
